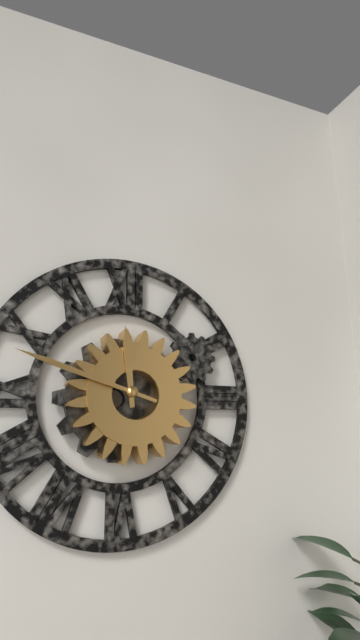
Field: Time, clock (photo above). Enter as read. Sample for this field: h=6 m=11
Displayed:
h=11 m=48
